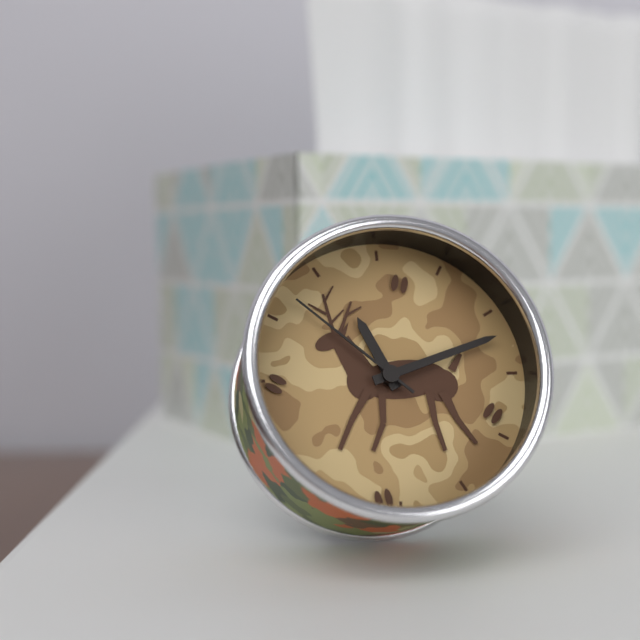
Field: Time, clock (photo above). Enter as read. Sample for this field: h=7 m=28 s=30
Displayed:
h=11 m=12 s=52
